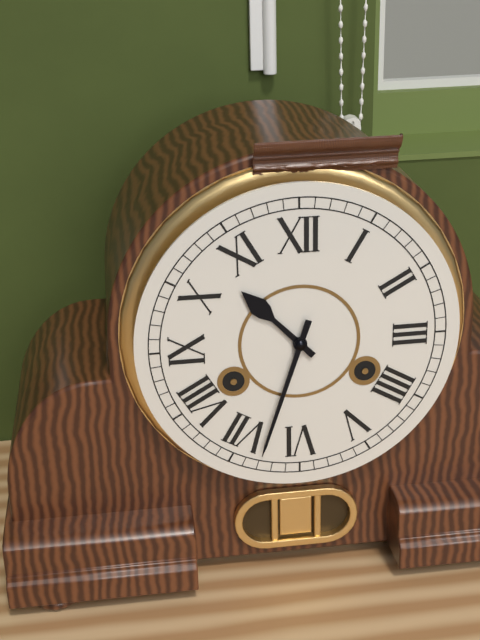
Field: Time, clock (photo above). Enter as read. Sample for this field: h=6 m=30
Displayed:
h=10 m=33
